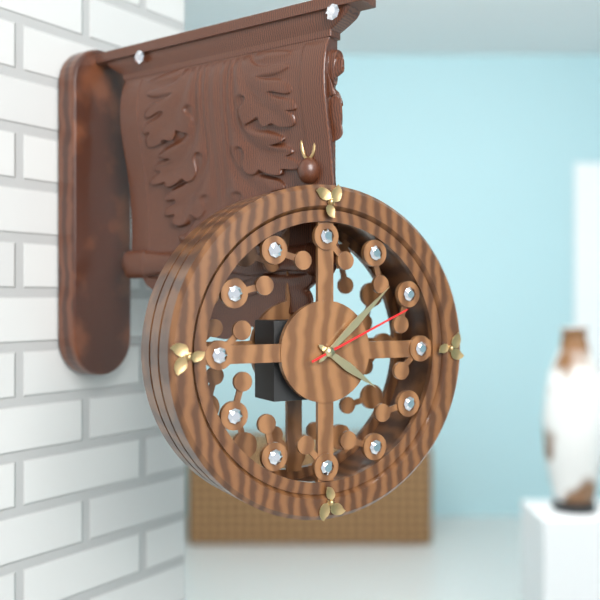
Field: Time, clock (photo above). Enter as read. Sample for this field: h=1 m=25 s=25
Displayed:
h=4 m=8 s=11
